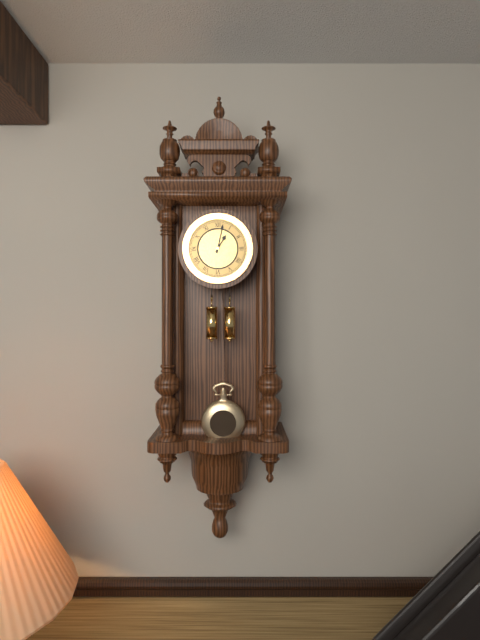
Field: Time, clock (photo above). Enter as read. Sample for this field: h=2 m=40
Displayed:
h=1 m=2
